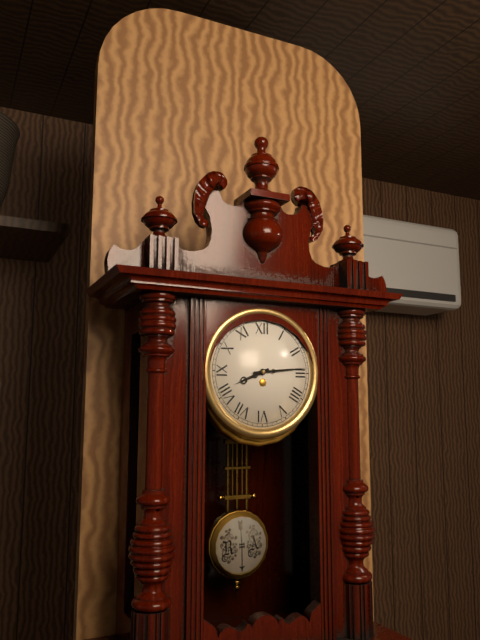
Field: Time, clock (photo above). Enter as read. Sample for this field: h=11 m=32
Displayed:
h=8 m=14
